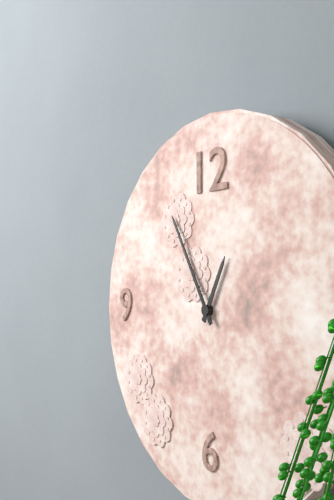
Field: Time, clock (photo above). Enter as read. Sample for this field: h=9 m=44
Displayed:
h=12 m=55
